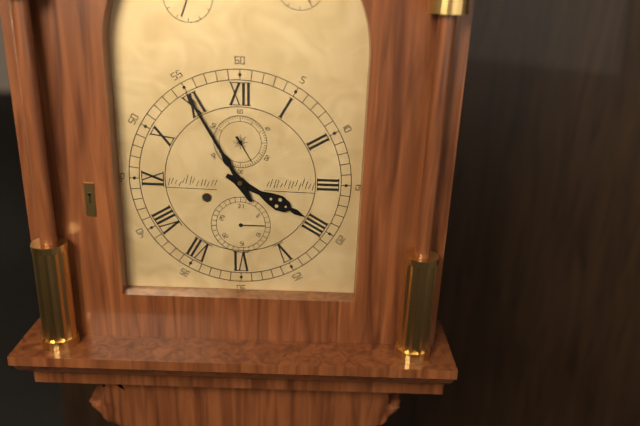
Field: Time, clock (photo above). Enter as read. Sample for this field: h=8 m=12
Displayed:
h=3 m=55
